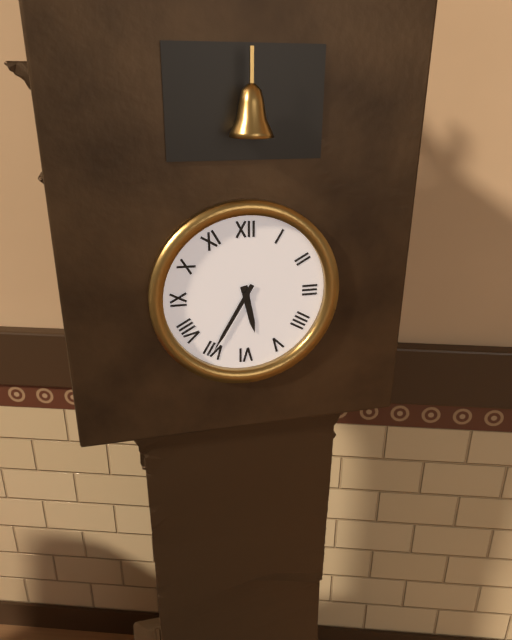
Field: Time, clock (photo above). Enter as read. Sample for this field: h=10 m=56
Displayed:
h=5 m=35
